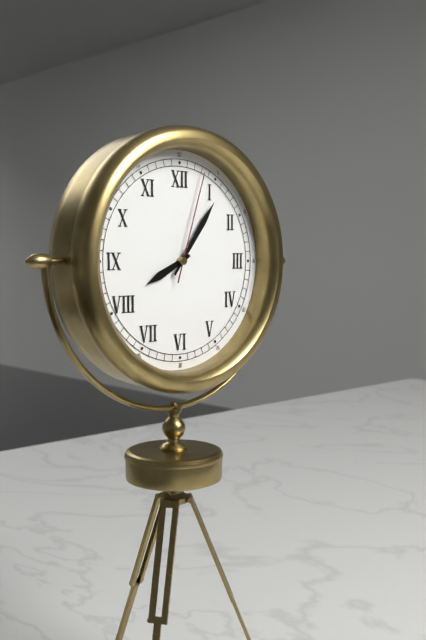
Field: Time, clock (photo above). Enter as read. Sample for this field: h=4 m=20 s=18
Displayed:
h=8 m=6 s=3
